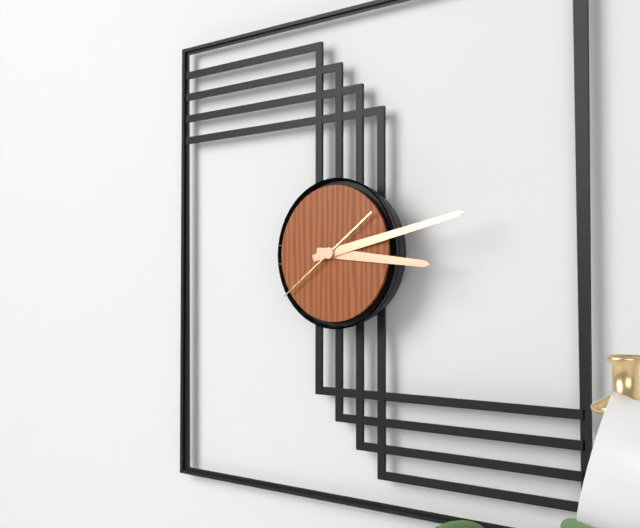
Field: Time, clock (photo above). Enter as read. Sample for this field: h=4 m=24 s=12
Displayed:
h=3 m=13 s=39
